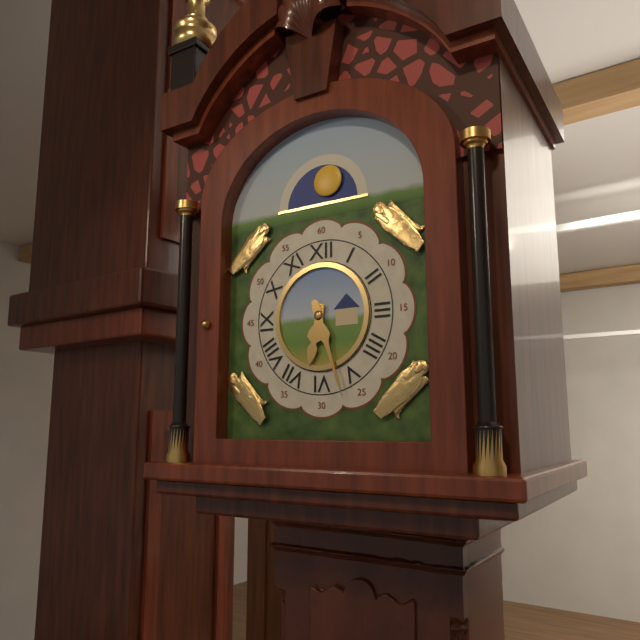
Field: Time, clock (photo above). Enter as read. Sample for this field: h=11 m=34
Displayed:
h=6 m=27
